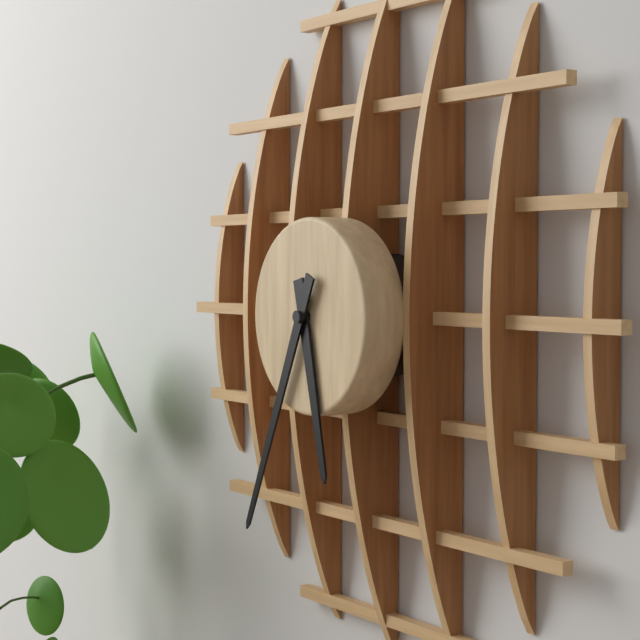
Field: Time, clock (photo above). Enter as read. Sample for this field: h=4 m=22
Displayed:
h=5 m=34
